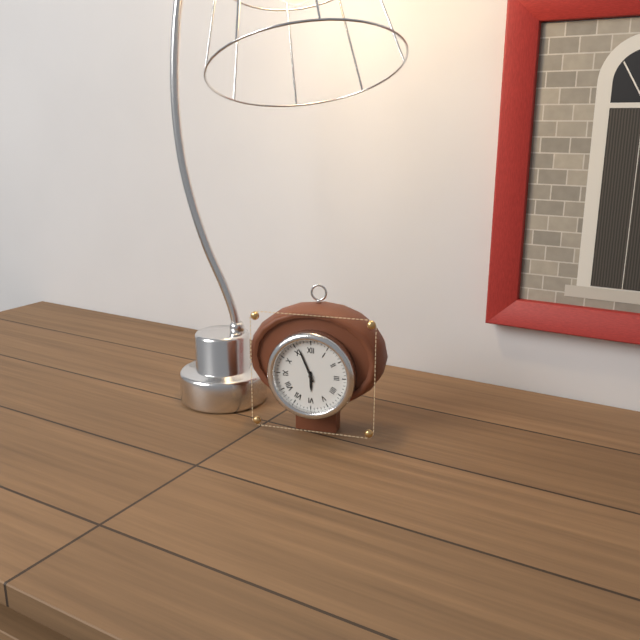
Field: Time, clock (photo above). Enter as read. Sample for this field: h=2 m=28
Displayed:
h=5 m=56
